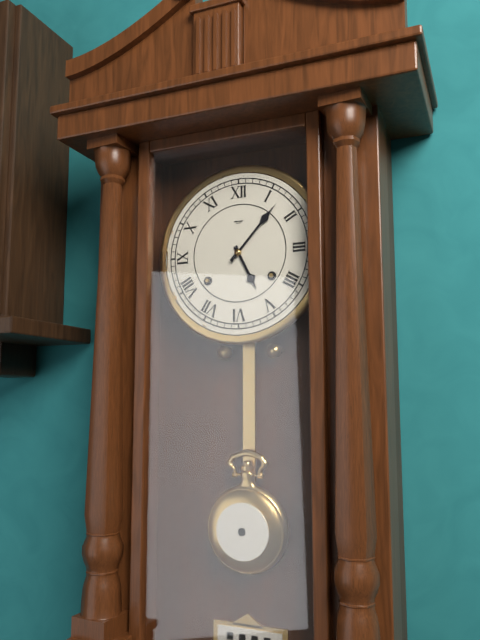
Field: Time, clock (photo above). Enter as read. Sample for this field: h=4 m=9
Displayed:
h=5 m=7
